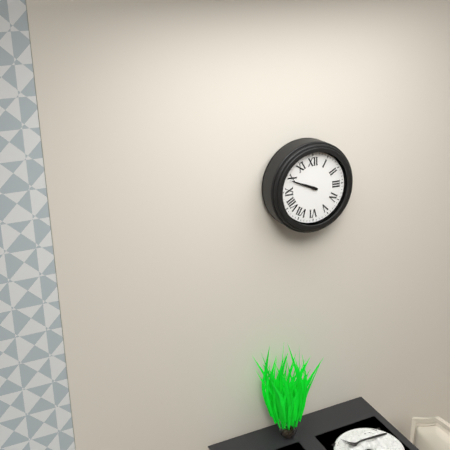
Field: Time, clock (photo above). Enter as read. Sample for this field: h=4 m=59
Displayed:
h=9 m=49
